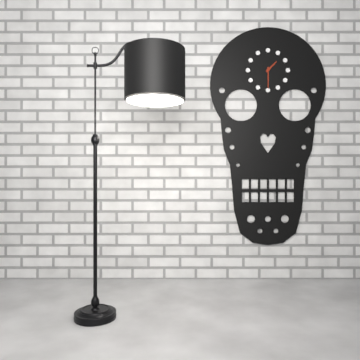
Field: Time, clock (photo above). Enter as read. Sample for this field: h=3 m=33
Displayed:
h=1 m=30
